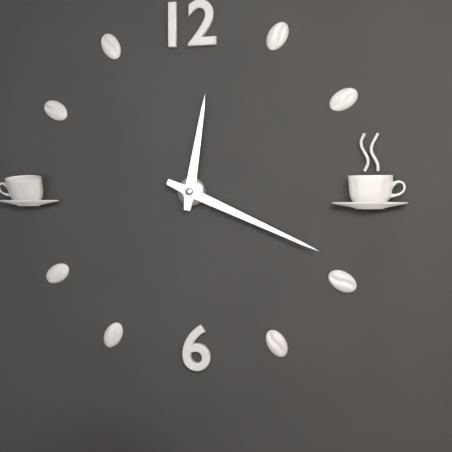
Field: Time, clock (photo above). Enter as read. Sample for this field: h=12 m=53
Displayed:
h=12 m=19
